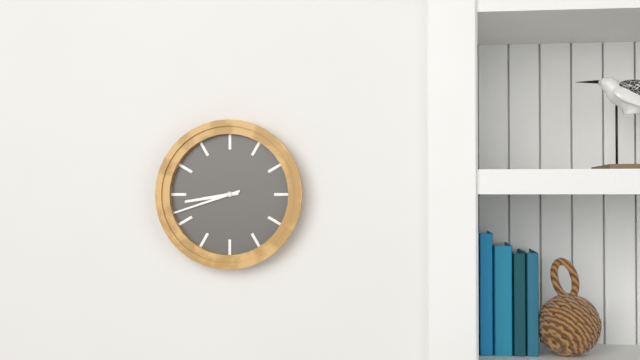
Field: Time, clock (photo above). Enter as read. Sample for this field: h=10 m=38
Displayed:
h=8 m=42
